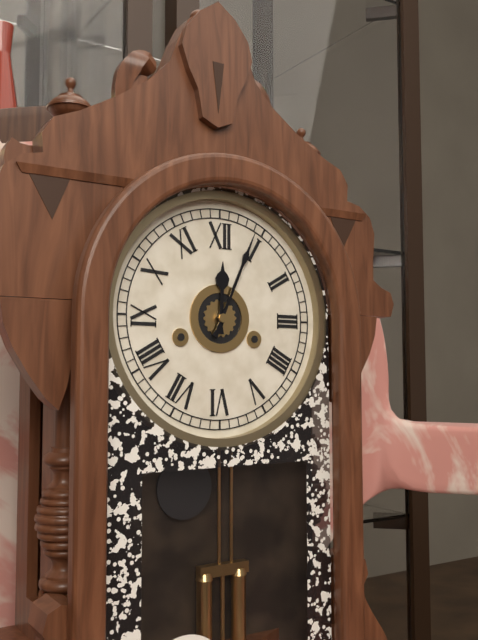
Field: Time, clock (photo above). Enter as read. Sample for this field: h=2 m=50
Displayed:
h=12 m=4
